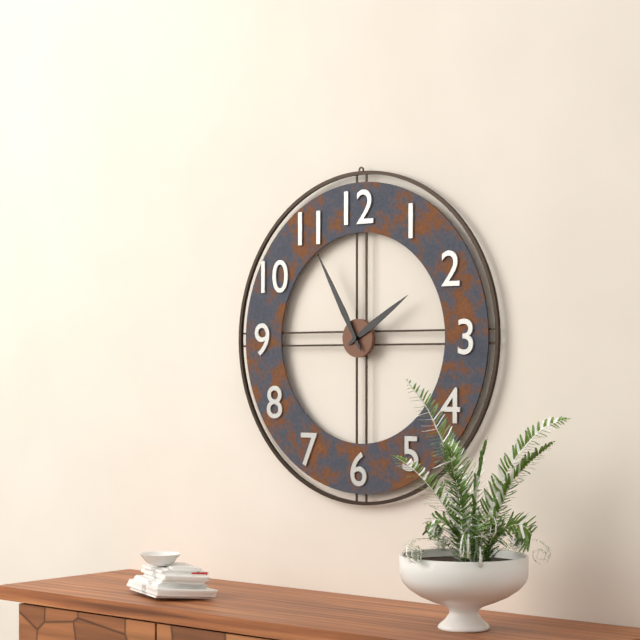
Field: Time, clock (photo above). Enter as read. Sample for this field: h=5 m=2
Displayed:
h=1 m=55
